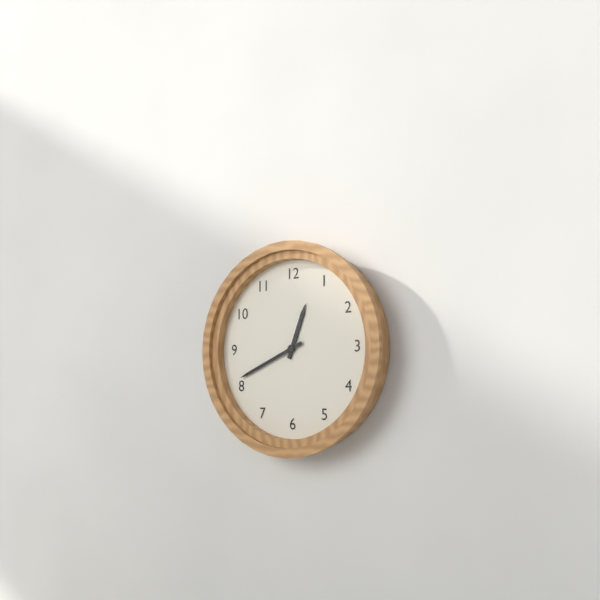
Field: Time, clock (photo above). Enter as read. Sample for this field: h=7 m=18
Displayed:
h=12 m=41
